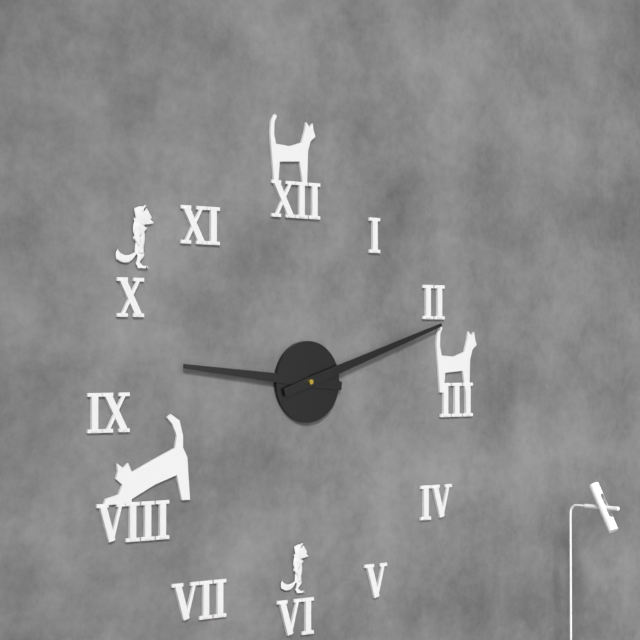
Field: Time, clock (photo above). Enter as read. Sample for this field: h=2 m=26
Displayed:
h=9 m=12
